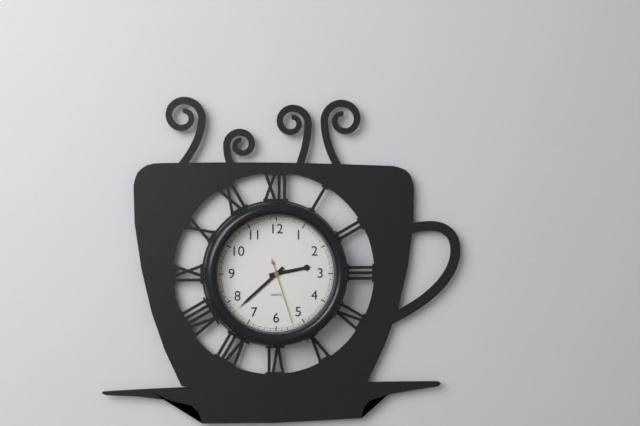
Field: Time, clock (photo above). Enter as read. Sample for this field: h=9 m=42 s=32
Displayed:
h=2 m=38 s=27
